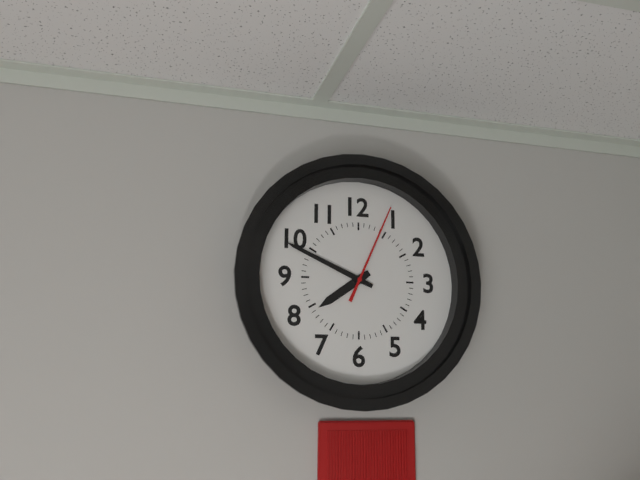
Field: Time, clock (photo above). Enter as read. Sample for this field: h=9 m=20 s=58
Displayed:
h=7 m=49 s=4
